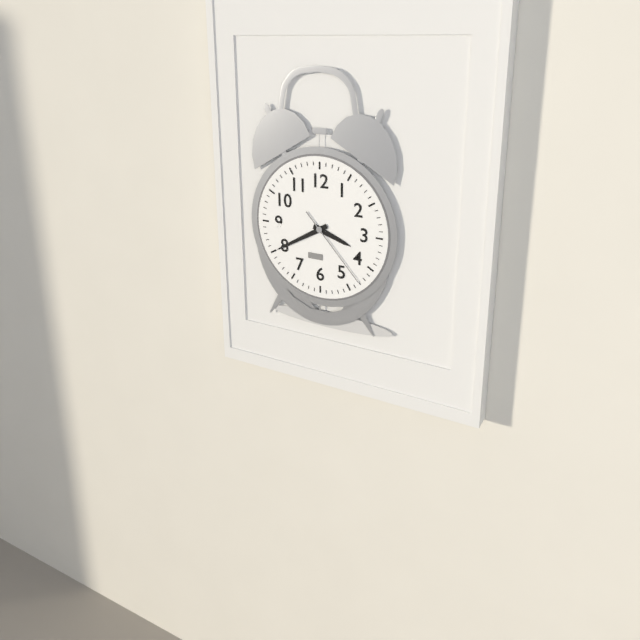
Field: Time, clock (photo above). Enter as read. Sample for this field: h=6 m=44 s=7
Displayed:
h=3 m=40 s=23
